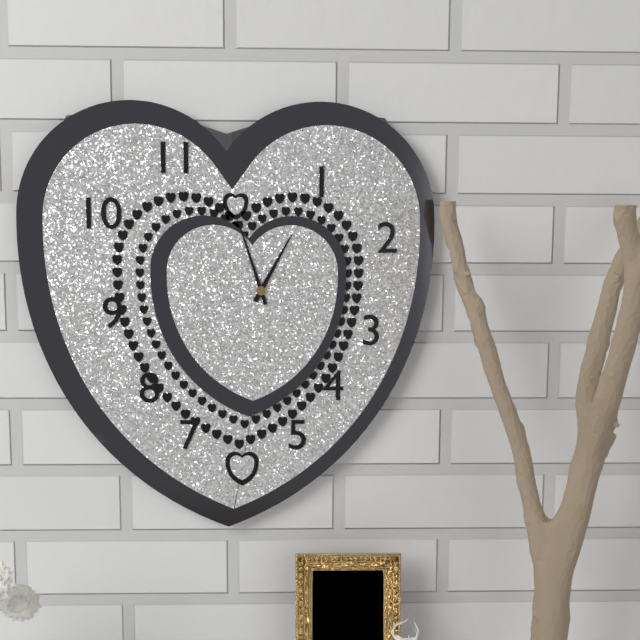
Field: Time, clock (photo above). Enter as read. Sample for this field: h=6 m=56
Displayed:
h=12 m=57
